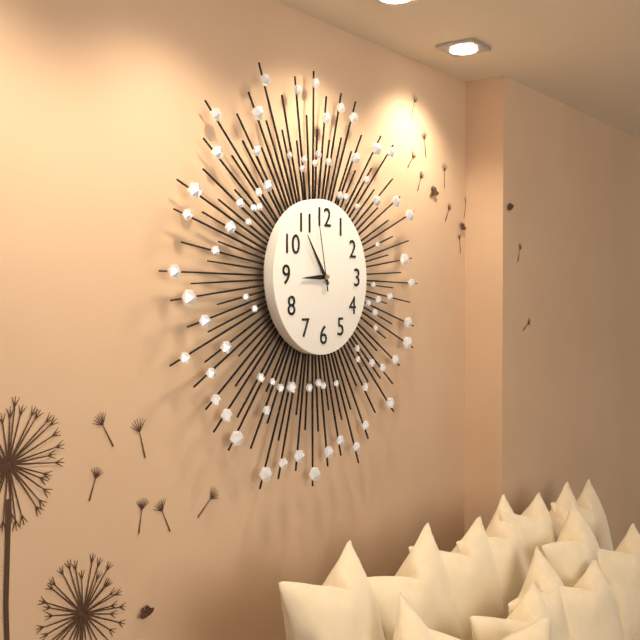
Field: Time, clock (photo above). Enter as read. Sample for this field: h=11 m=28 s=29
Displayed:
h=8 m=54 s=58
